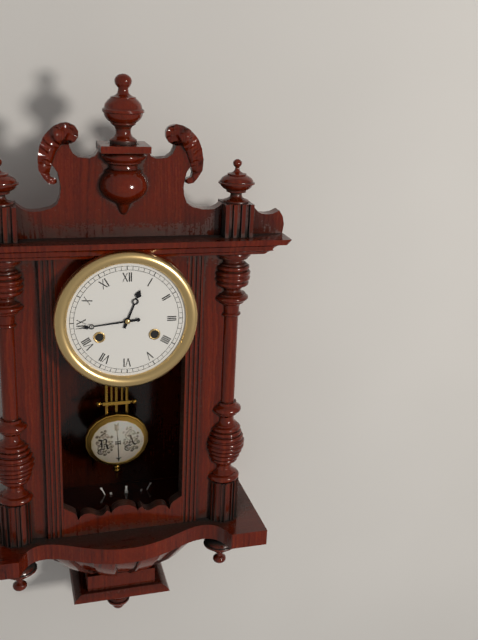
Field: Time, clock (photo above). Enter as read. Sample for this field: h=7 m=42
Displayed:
h=12 m=44
